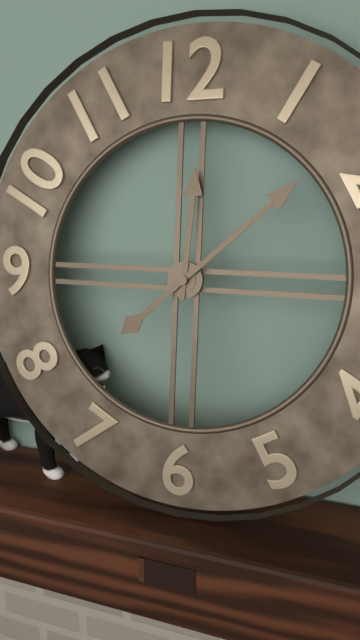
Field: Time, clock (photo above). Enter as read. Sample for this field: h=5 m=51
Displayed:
h=12 m=8
